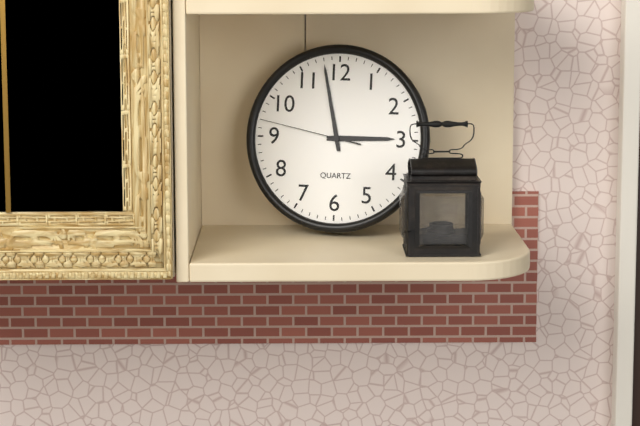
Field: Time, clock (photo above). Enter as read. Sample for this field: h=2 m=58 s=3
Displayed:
h=2 m=58 s=47
